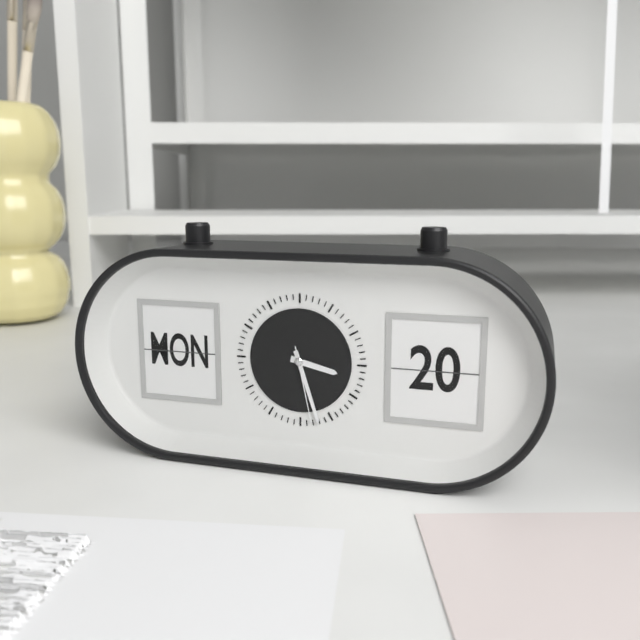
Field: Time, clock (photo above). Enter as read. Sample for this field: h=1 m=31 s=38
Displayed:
h=3 m=27 s=28
